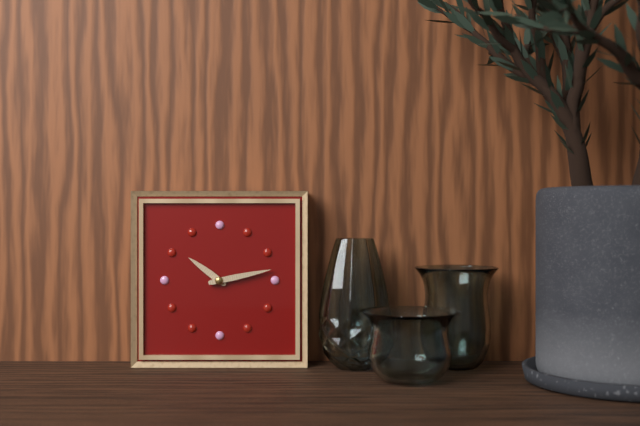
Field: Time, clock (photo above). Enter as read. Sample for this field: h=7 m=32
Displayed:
h=10 m=13
